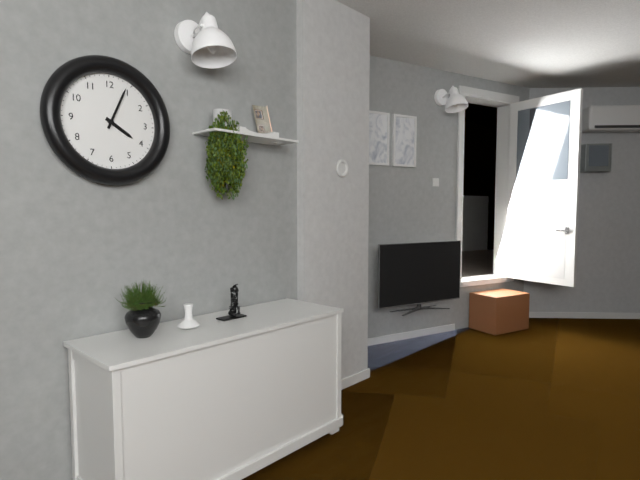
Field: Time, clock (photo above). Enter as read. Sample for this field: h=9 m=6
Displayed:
h=4 m=4
